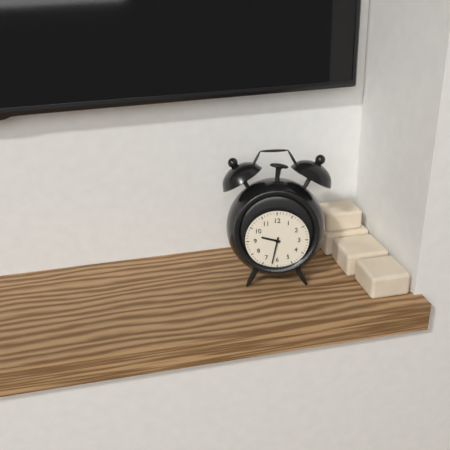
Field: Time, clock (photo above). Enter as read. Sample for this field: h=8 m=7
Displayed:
h=9 m=32
